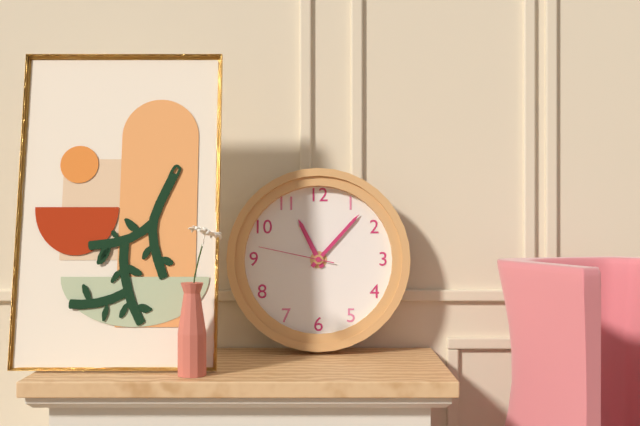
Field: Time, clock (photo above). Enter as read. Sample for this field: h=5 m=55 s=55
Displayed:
h=11 m=7 s=47
